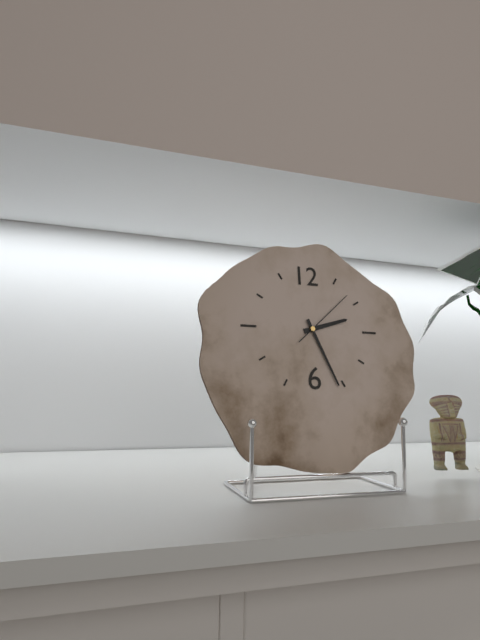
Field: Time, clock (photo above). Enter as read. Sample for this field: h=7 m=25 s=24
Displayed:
h=2 m=26 s=8
